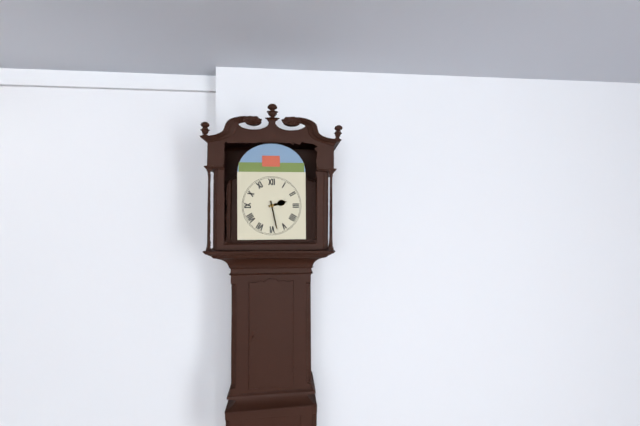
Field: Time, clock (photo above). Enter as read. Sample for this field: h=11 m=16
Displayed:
h=2 m=28
